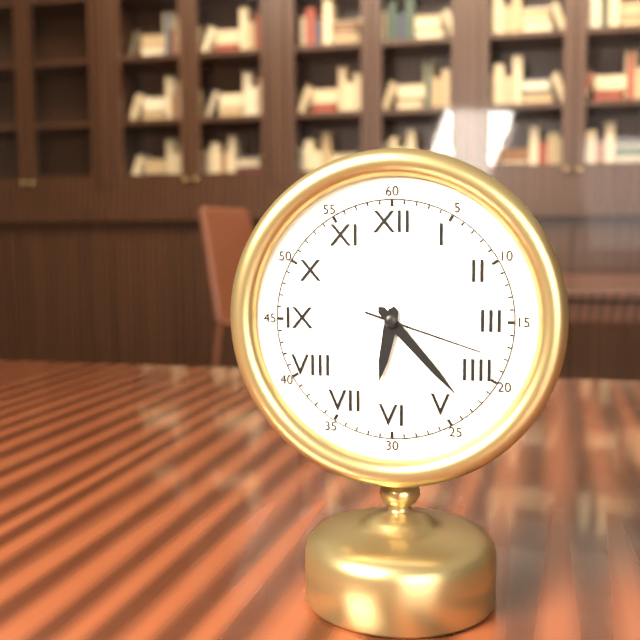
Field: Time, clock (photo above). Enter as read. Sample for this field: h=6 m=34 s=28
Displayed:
h=6 m=23 s=18
